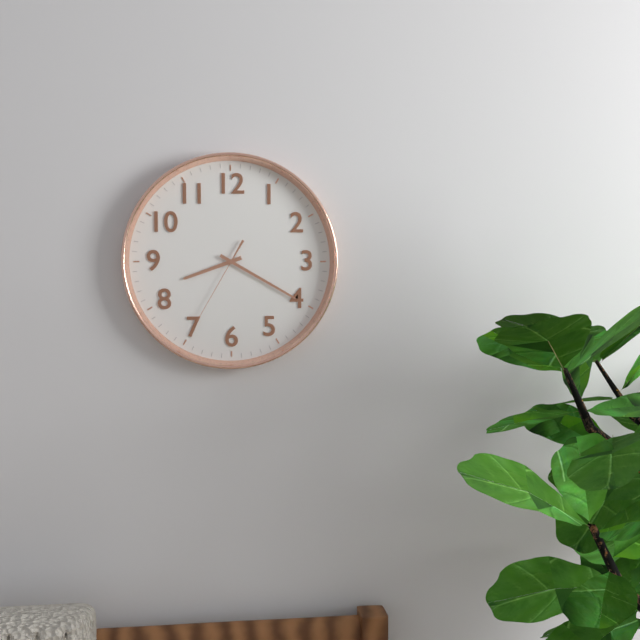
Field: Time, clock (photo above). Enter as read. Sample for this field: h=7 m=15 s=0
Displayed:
h=8 m=20 s=35
